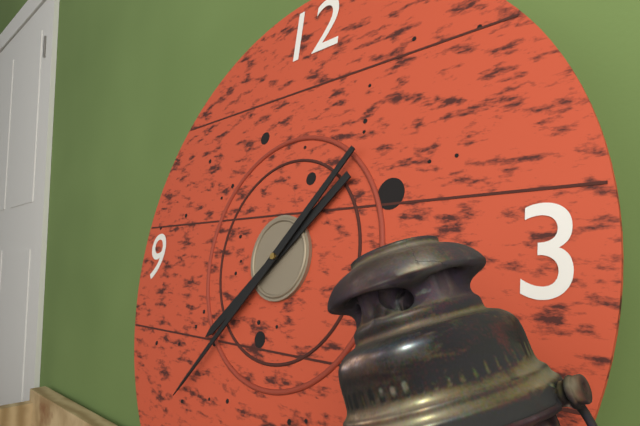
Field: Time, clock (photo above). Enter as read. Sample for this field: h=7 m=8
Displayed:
h=7 m=37
